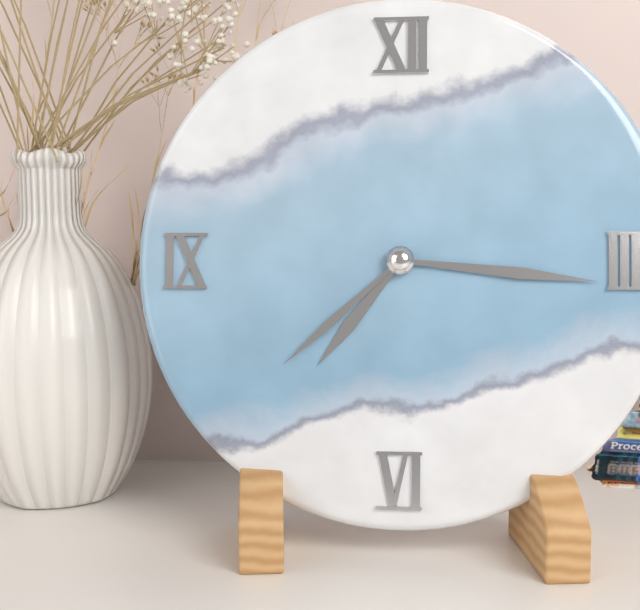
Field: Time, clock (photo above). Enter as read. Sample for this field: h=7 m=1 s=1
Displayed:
h=7 m=16 s=38
